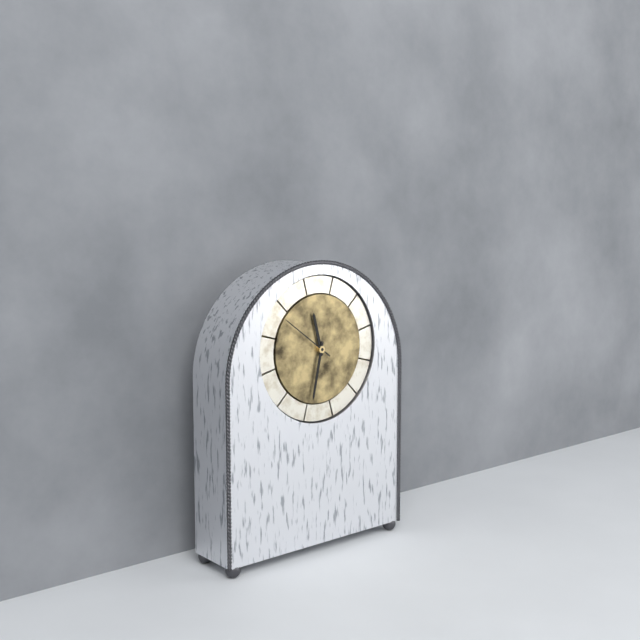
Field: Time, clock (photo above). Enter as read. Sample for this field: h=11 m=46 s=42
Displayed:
h=11 m=32 s=51
